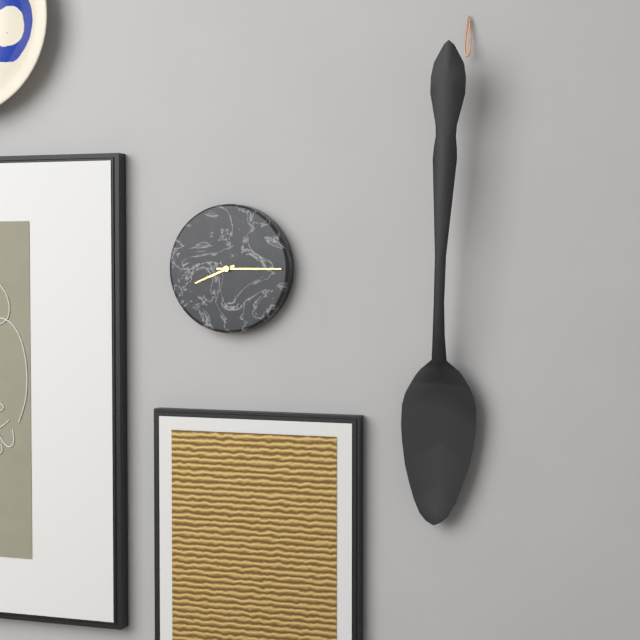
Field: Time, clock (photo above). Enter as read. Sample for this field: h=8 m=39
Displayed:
h=8 m=15
